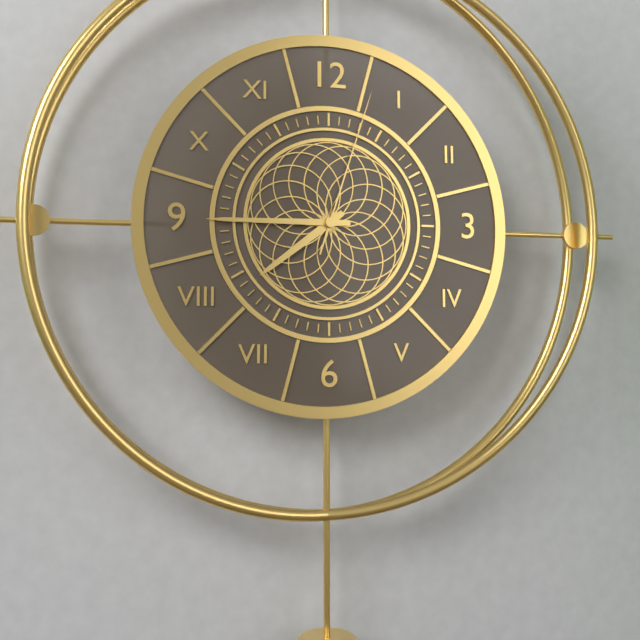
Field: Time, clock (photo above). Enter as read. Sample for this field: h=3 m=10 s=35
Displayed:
h=7 m=45 s=3
